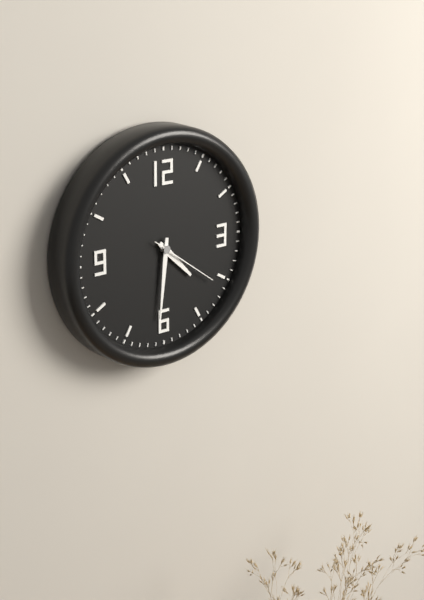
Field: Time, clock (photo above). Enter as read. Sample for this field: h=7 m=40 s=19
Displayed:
h=4 m=31 s=21
